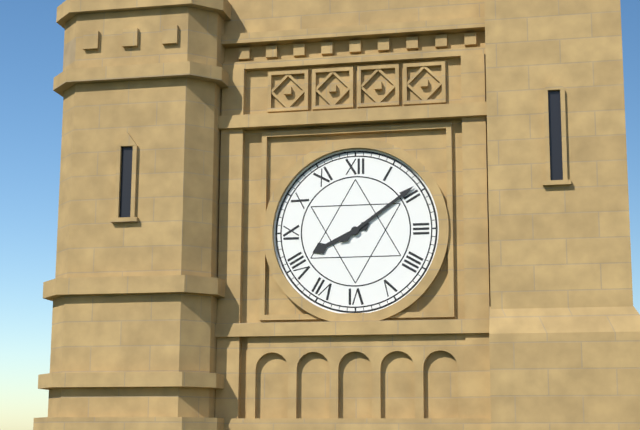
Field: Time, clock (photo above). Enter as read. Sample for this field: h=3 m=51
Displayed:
h=8 m=9
